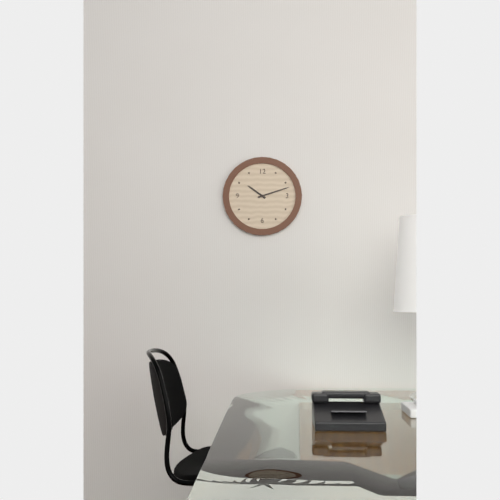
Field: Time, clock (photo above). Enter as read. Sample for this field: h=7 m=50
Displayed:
h=10 m=12
